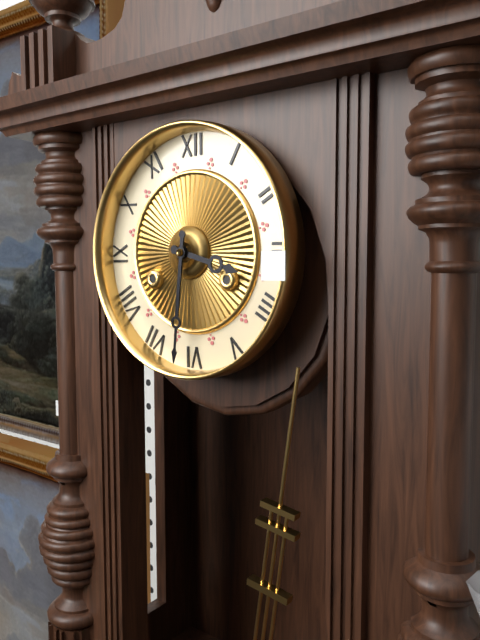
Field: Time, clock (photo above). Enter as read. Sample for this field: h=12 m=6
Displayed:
h=3 m=31
